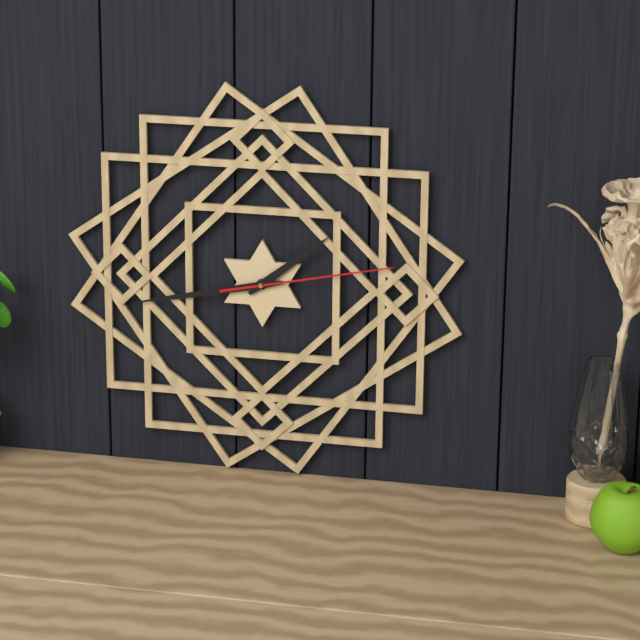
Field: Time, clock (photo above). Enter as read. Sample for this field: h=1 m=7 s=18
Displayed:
h=1 m=43 s=13
